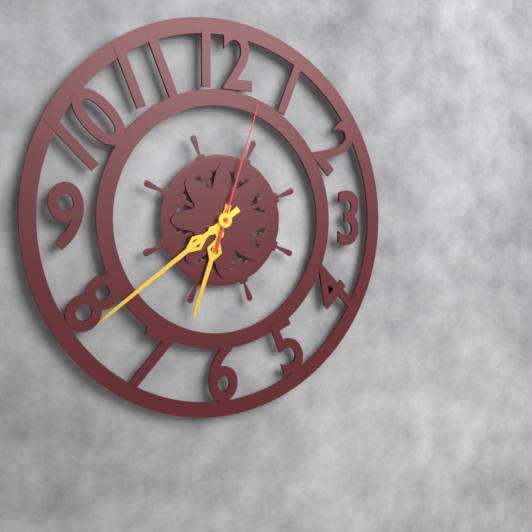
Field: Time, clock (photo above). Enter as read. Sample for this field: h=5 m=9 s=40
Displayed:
h=6 m=39 s=3
